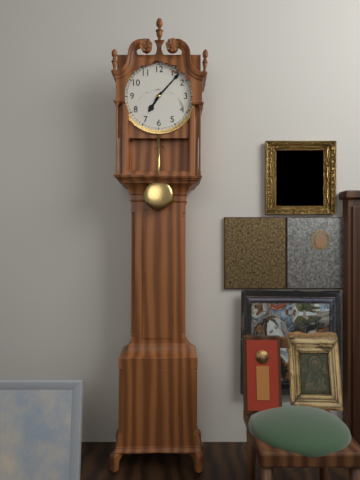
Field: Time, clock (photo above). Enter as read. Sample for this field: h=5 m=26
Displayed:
h=7 m=7
